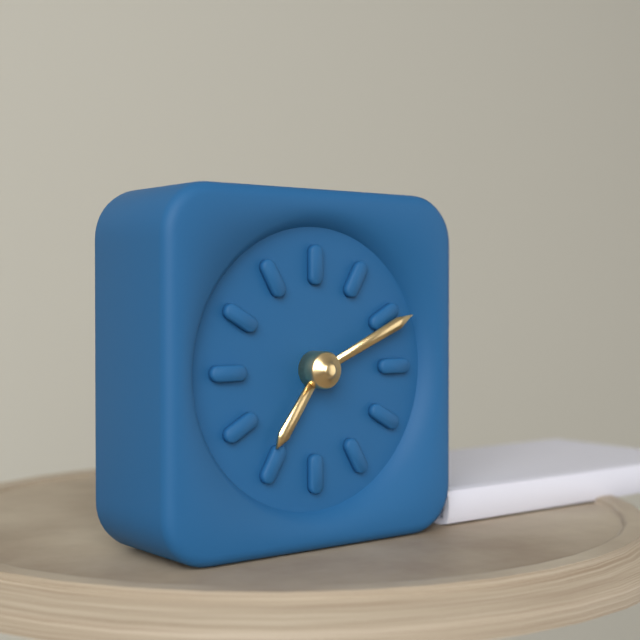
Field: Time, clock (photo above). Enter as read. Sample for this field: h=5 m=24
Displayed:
h=7 m=11
